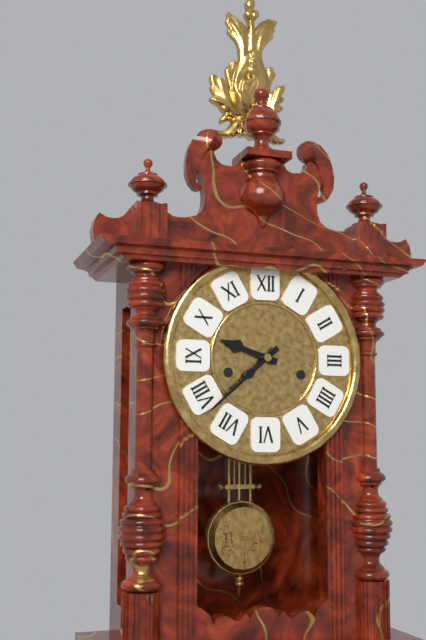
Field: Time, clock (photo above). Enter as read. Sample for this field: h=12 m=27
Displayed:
h=9 m=38
